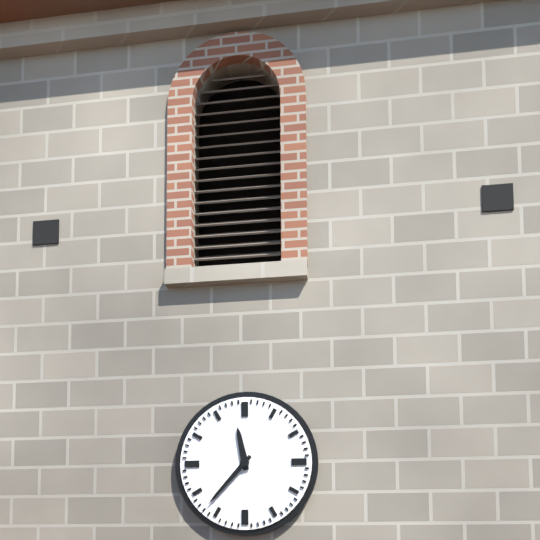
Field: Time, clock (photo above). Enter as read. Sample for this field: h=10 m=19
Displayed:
h=11 m=37
